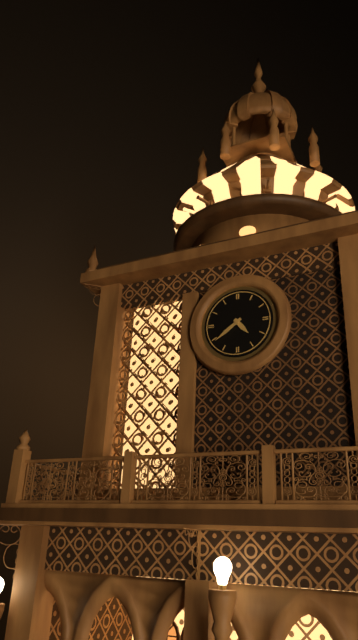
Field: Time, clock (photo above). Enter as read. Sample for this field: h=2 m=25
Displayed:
h=4 m=39
